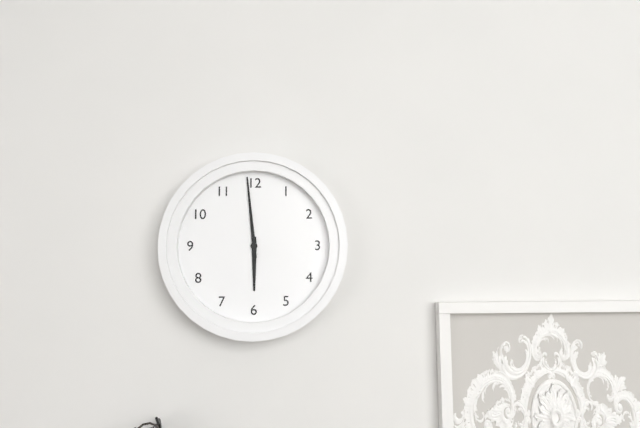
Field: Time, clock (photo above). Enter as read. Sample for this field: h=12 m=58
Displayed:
h=5 m=59
